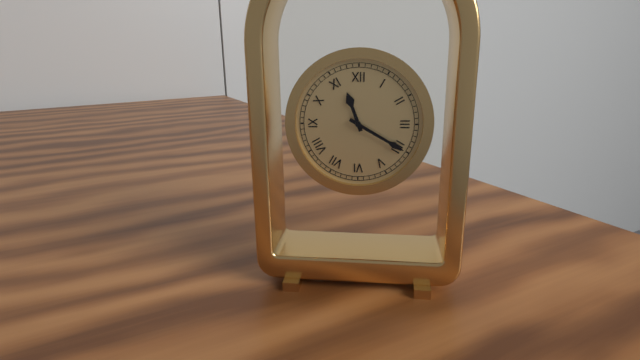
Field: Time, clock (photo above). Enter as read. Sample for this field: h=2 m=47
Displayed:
h=11 m=20
